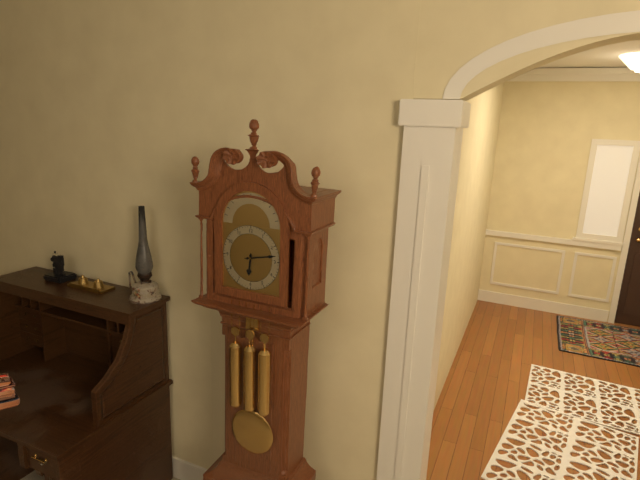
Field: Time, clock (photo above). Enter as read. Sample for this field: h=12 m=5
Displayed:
h=6 m=13
